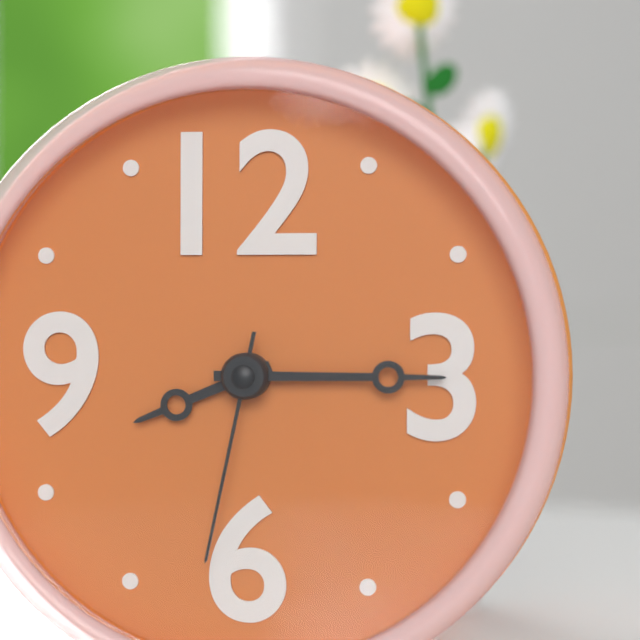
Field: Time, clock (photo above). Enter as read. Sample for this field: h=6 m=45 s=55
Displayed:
h=8 m=15 s=32
